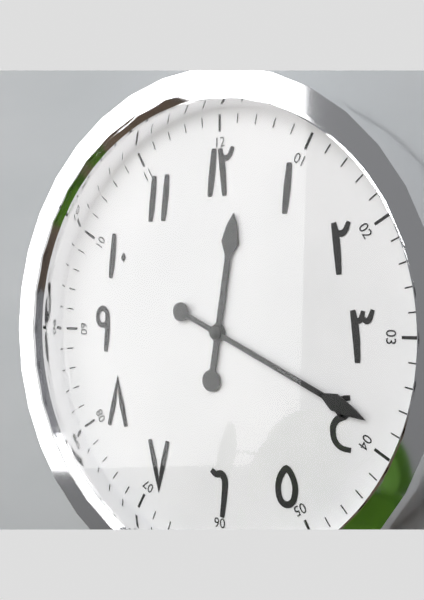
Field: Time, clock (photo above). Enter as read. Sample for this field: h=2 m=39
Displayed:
h=12 m=19
